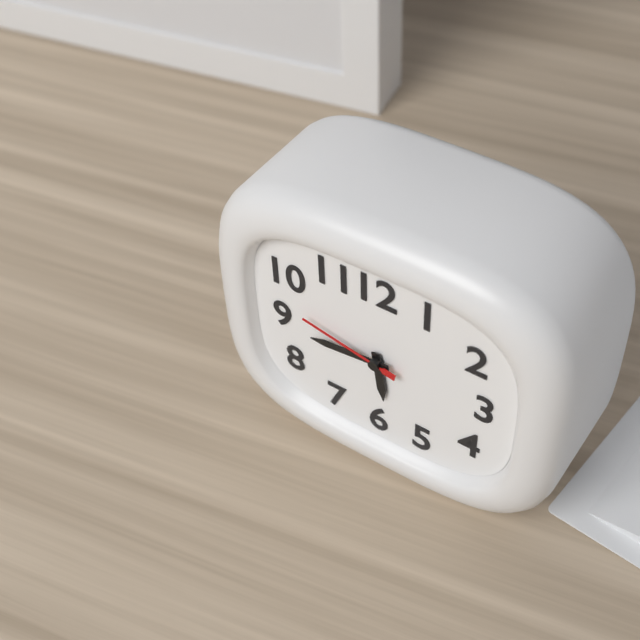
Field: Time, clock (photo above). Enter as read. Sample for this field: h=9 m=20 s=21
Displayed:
h=5 m=44 s=47
